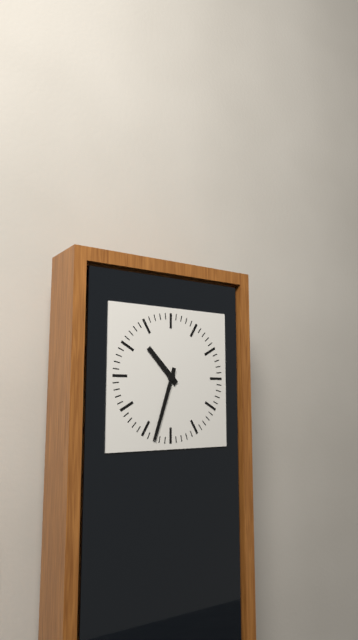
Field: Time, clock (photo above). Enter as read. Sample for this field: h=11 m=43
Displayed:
h=10 m=33
